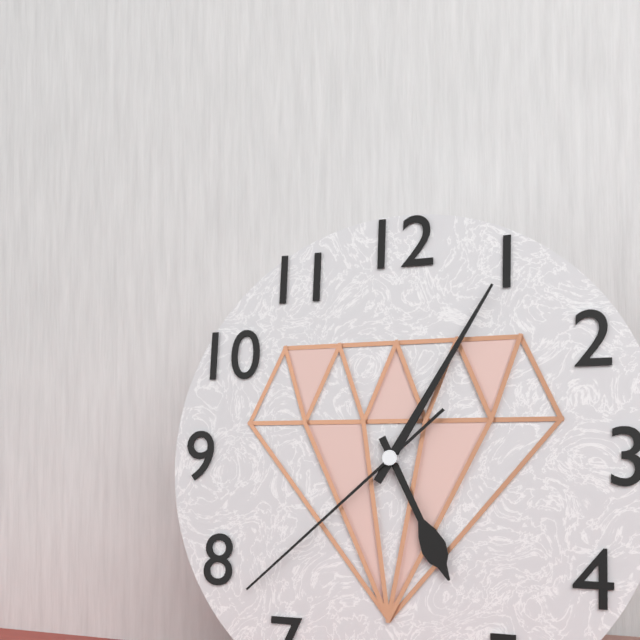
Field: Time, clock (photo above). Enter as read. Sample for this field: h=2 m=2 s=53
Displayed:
h=5 m=5 s=38
